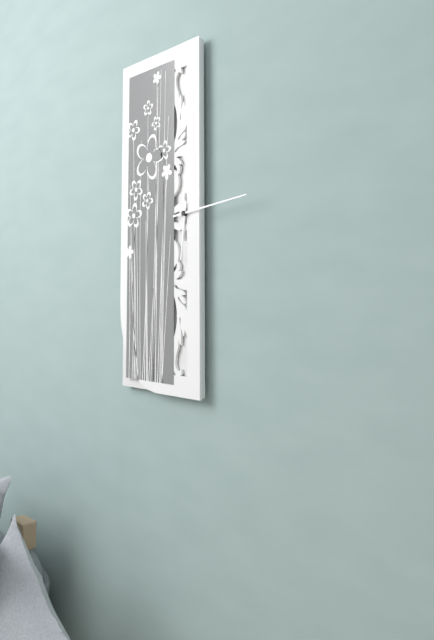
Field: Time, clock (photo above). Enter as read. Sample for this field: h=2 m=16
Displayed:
h=6 m=14
